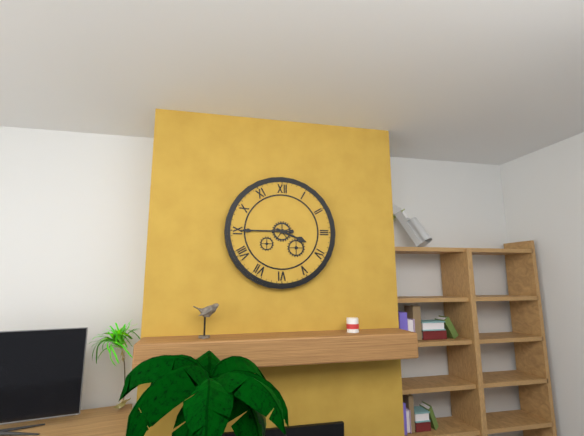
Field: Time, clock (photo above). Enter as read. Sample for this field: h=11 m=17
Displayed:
h=3 m=45
